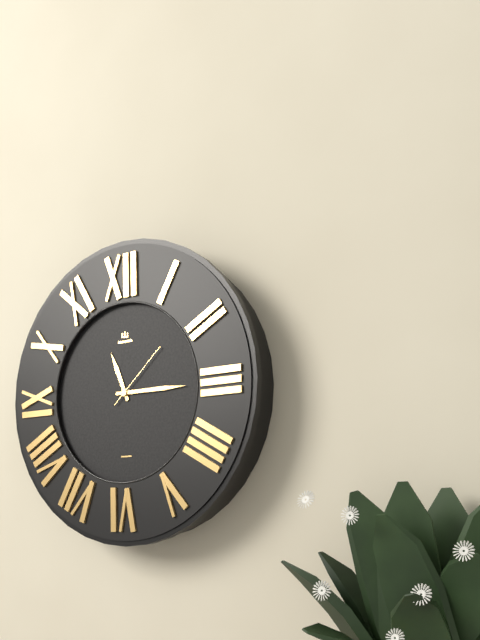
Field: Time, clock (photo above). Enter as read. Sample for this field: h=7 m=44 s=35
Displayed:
h=11 m=15 s=8
